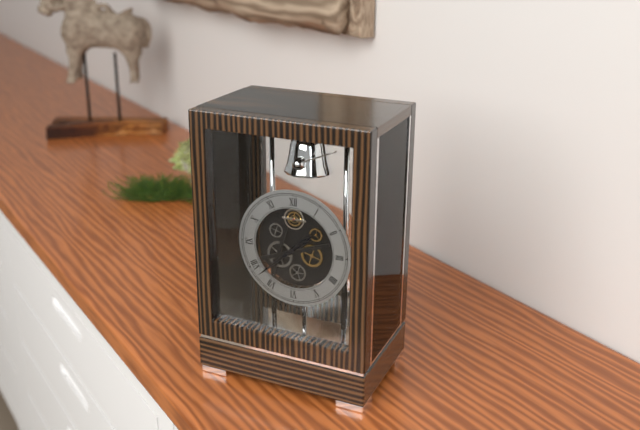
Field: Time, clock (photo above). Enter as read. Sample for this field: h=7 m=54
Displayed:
h=1 m=38
